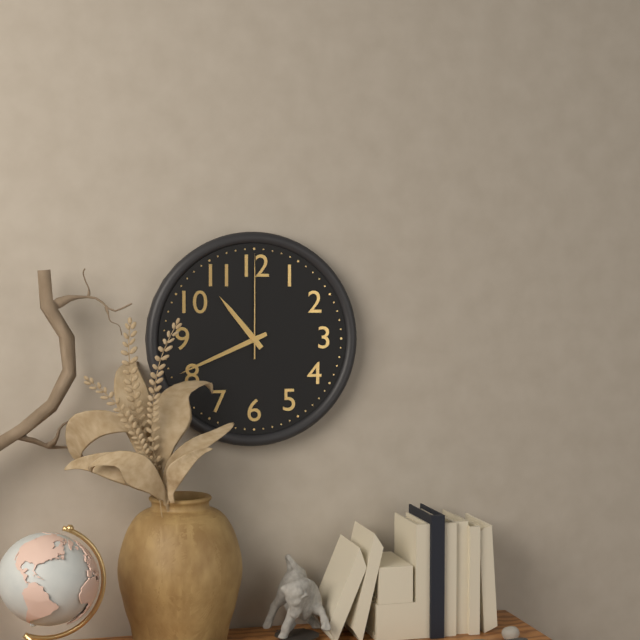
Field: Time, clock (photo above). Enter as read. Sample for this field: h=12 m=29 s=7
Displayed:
h=10 m=41 s=0
